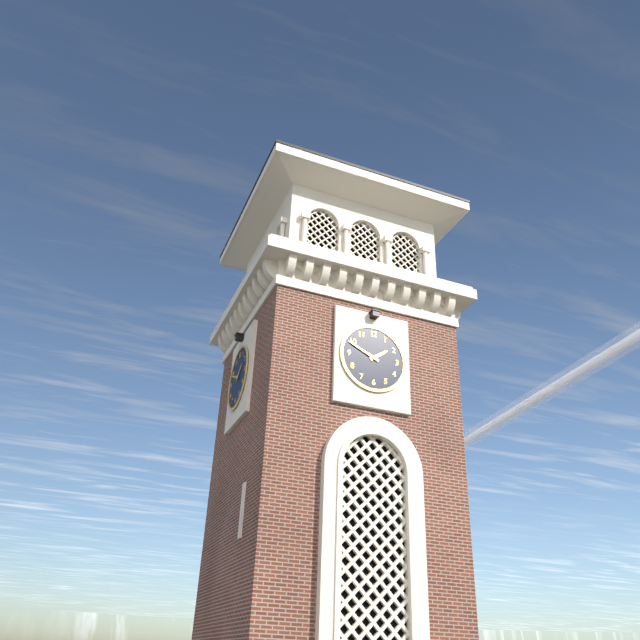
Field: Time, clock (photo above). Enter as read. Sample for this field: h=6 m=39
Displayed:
h=1 m=49
